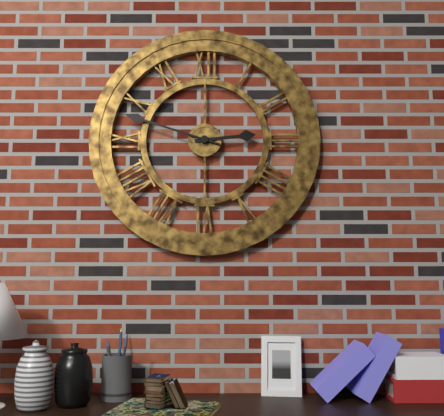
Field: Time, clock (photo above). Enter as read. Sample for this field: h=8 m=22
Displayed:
h=2 m=48
